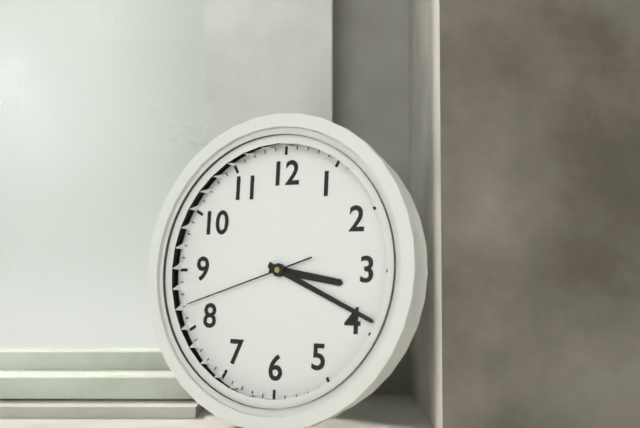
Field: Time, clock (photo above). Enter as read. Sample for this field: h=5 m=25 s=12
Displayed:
h=3 m=19 s=42
